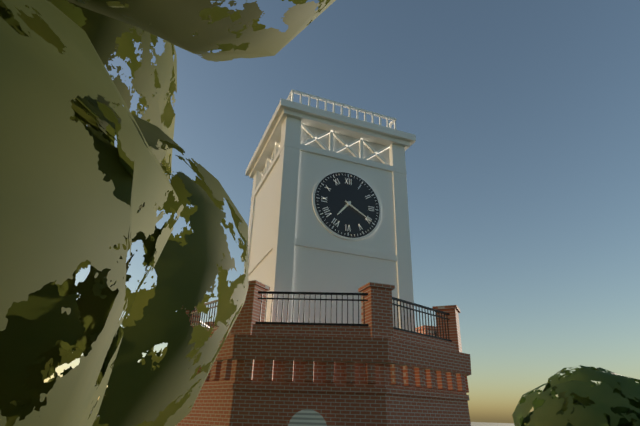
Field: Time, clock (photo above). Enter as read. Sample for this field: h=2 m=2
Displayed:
h=7 m=20
